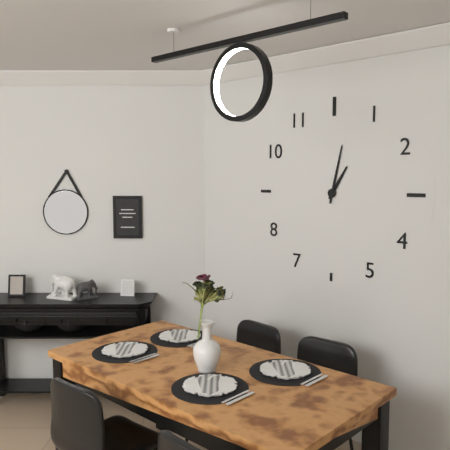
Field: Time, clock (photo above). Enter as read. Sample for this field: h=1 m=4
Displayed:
h=1 m=2
